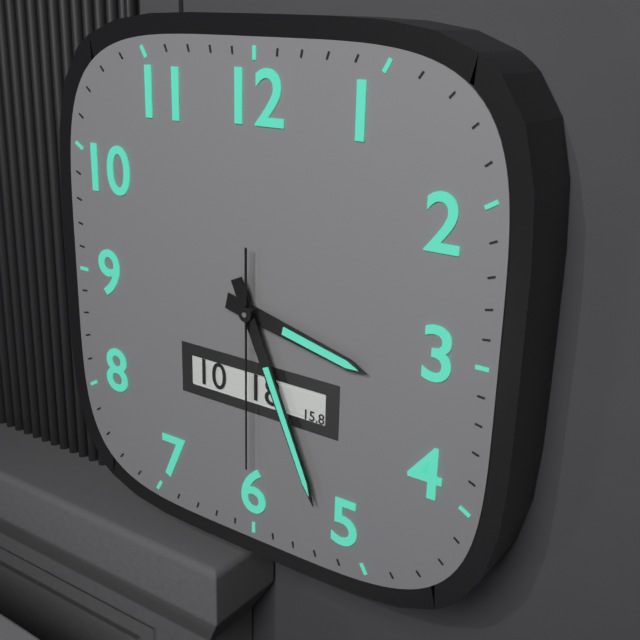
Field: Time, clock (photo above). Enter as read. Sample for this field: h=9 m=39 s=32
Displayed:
h=3 m=26 s=30
